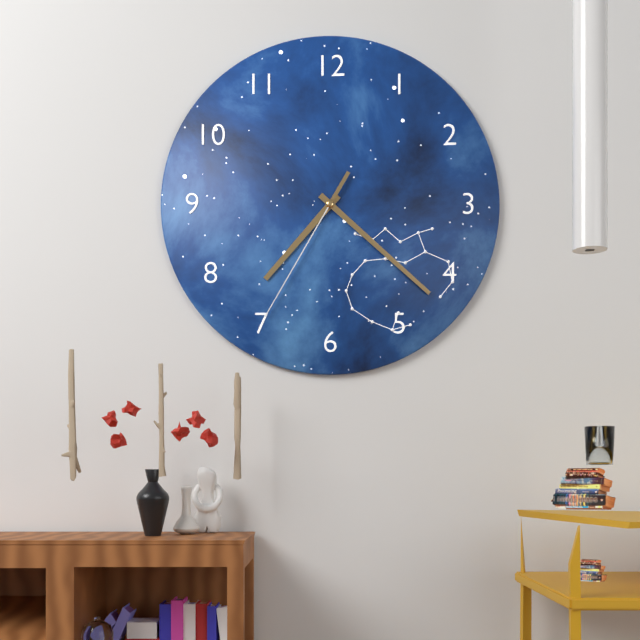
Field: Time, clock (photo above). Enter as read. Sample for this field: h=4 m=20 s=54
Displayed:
h=7 m=22 s=35
